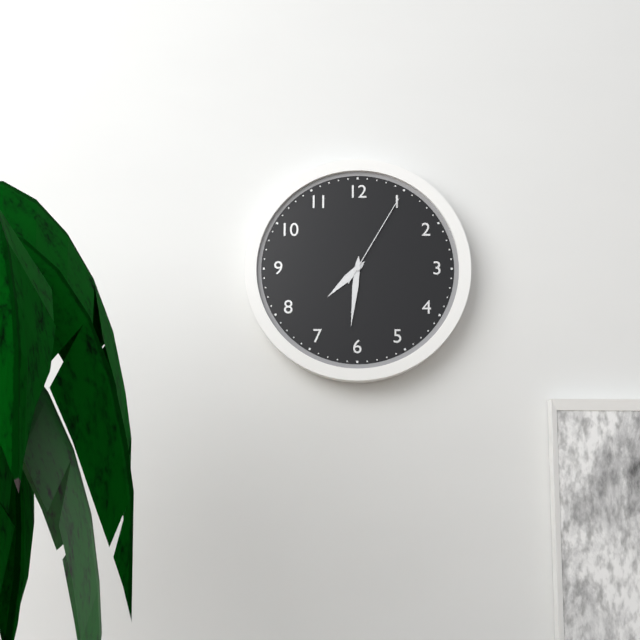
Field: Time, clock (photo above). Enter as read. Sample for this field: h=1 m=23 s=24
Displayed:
h=7 m=31 s=5
